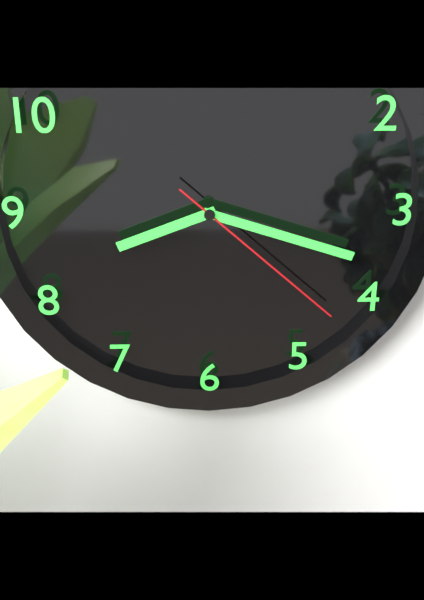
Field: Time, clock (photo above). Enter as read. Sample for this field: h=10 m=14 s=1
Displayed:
h=8 m=18 s=22
